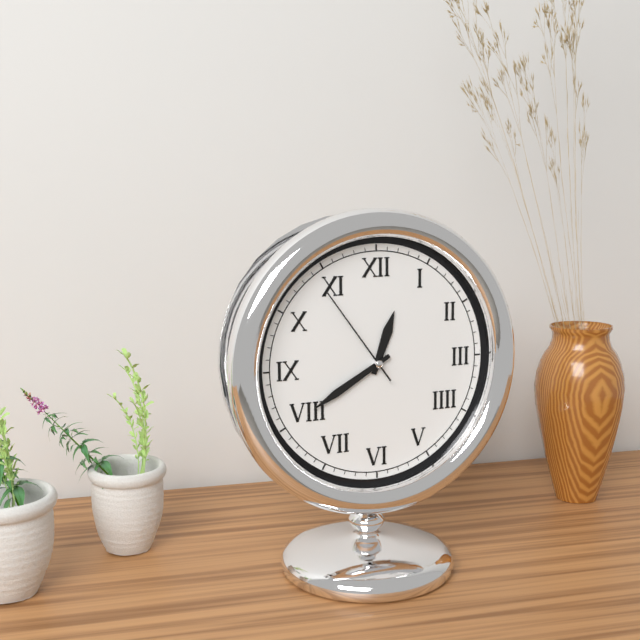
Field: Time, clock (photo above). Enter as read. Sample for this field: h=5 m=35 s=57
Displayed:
h=12 m=40 s=54
